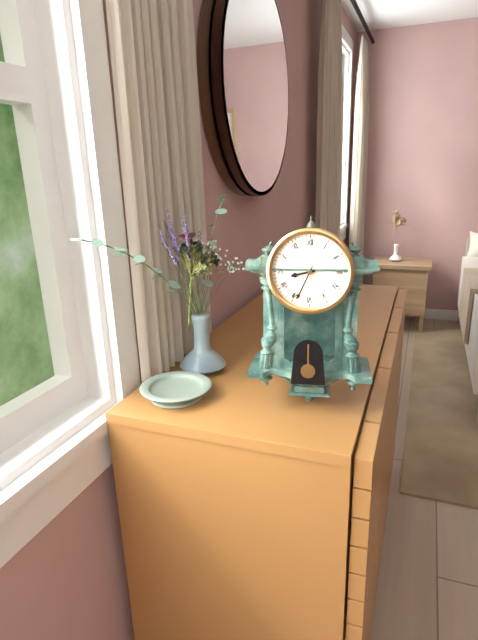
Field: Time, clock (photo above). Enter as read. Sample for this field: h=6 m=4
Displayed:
h=8 m=34
